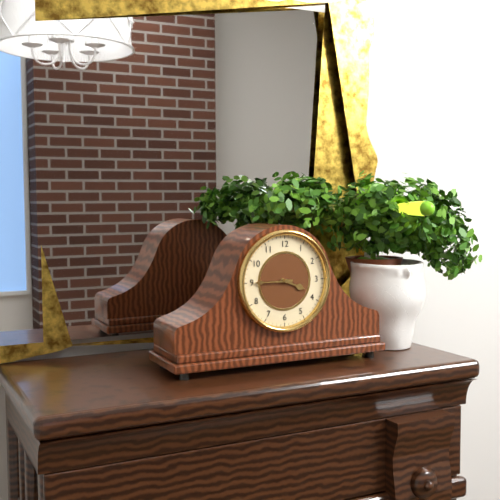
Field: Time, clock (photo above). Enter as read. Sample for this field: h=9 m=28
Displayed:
h=3 m=45
